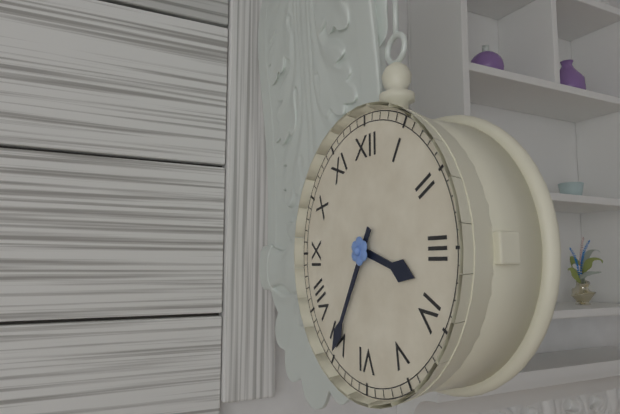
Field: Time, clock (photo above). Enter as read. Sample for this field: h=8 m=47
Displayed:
h=3 m=35
